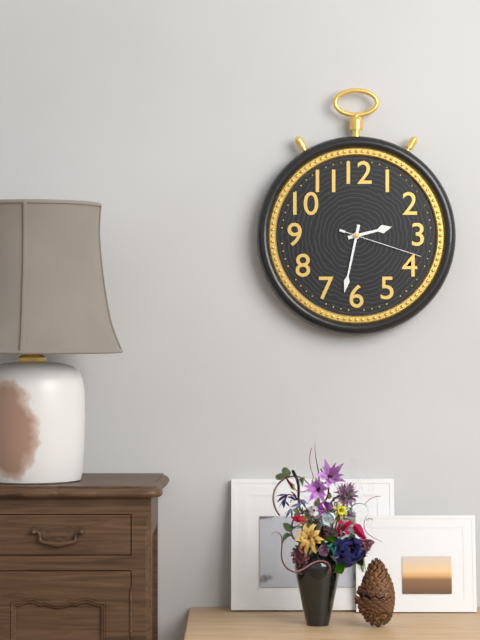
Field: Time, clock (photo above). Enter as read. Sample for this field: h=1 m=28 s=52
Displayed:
h=2 m=32 s=18
